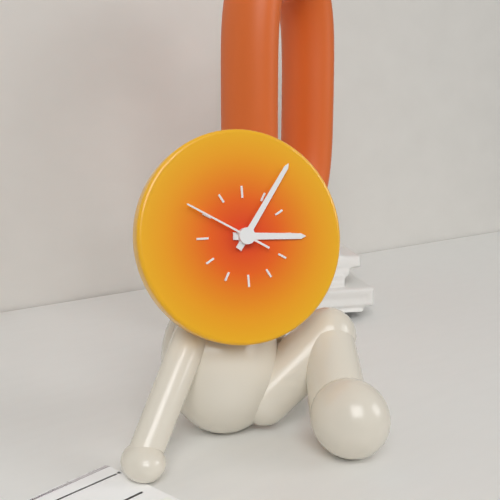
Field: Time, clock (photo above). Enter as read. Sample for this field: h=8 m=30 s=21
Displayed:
h=3 m=6 s=50
